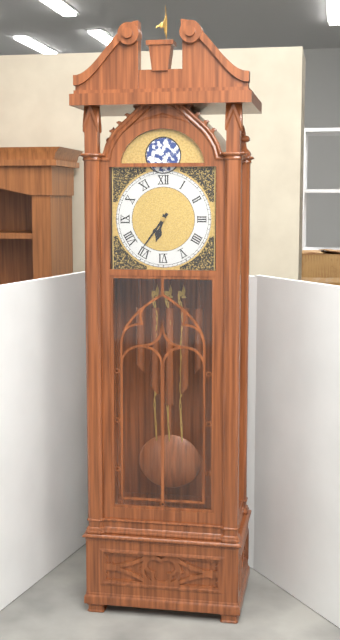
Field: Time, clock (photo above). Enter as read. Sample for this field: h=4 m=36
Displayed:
h=6 m=36
